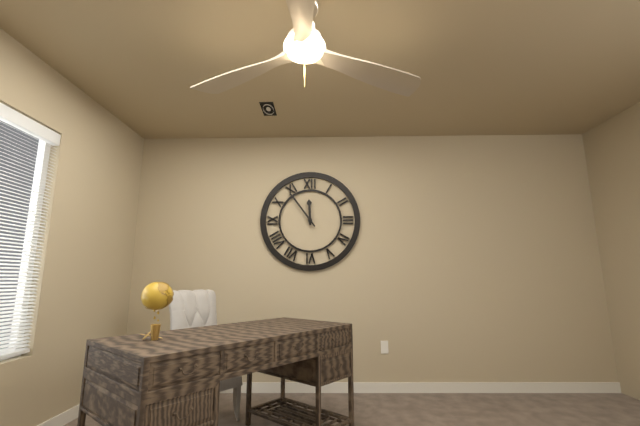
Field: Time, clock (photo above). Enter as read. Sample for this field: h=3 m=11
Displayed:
h=11 m=54
